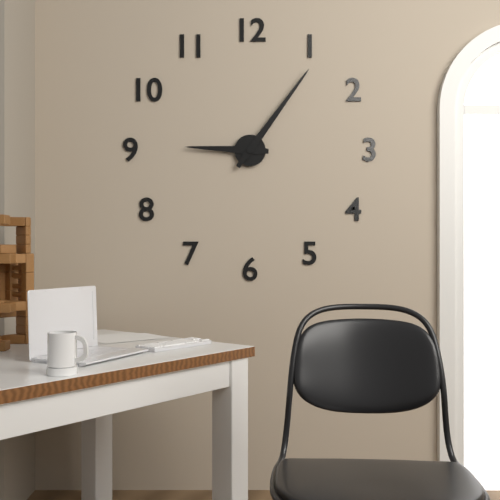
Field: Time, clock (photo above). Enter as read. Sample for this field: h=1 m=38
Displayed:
h=9 m=6
